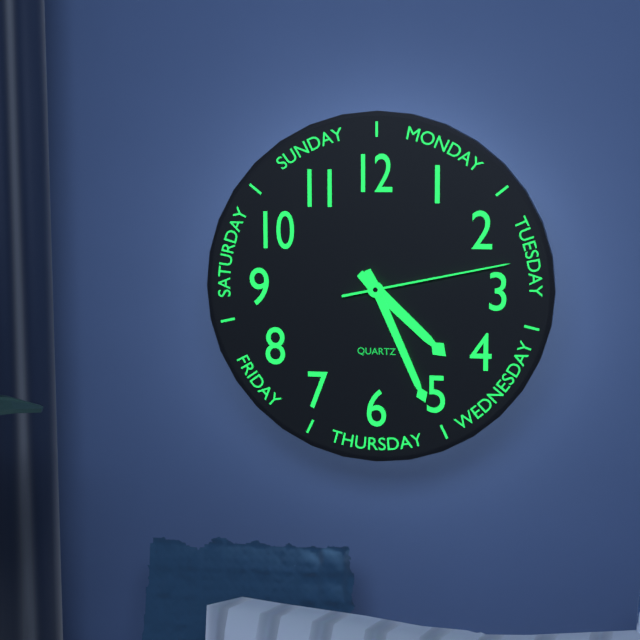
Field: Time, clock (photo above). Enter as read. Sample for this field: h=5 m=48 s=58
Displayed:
h=4 m=26 s=13
